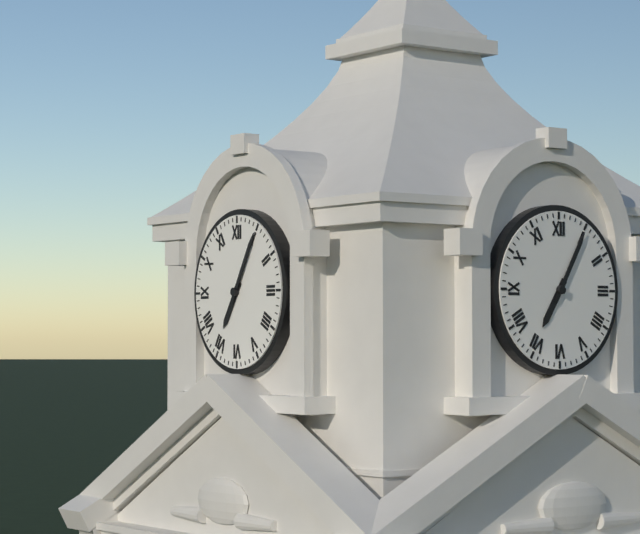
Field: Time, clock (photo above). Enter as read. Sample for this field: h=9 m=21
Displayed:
h=7 m=5
